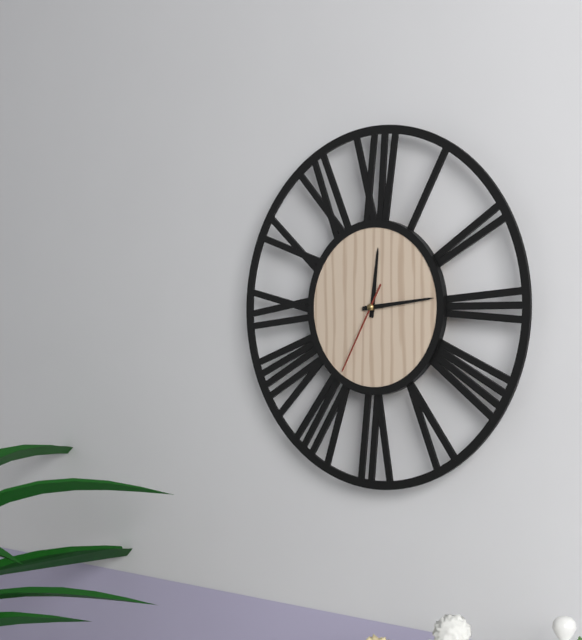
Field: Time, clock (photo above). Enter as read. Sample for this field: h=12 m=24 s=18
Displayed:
h=12 m=14 s=35
